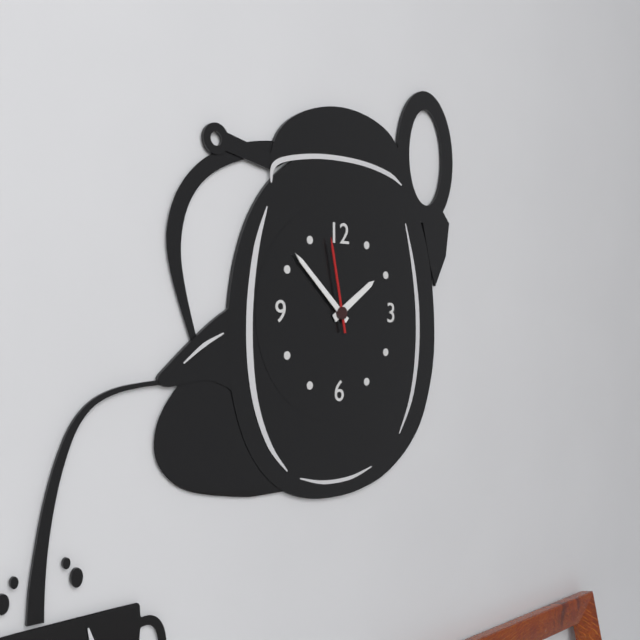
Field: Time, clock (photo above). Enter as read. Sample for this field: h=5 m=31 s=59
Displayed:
h=1 m=52 s=58
